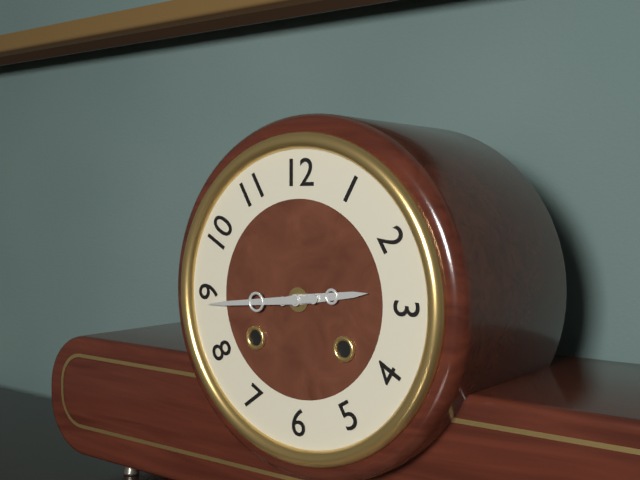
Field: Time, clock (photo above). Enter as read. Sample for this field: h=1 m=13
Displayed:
h=2 m=44
